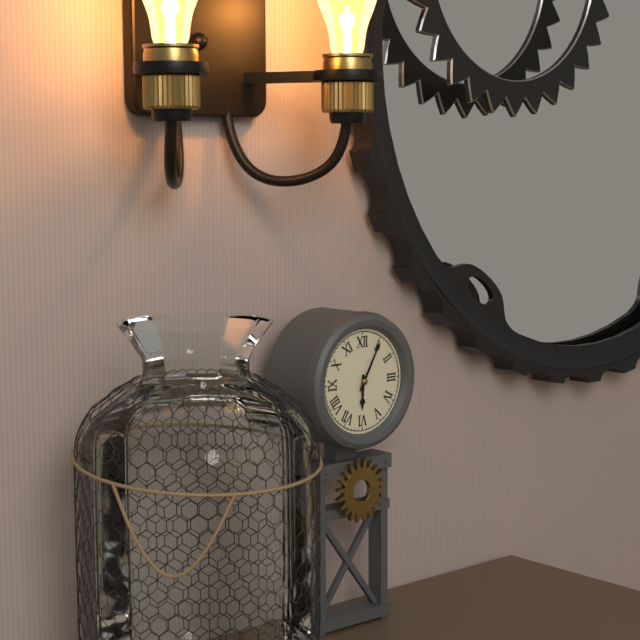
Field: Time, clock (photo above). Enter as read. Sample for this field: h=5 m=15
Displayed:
h=6 m=5
